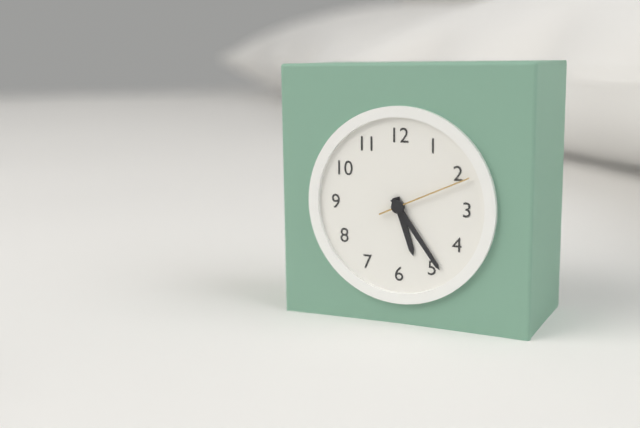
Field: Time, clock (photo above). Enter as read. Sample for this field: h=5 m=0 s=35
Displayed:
h=5 m=24 s=11
